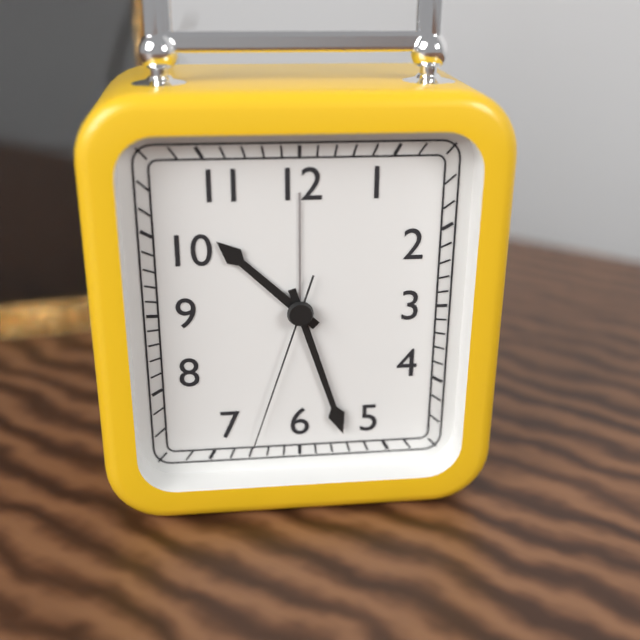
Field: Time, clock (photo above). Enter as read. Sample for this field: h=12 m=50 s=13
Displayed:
h=10 m=27 s=33
